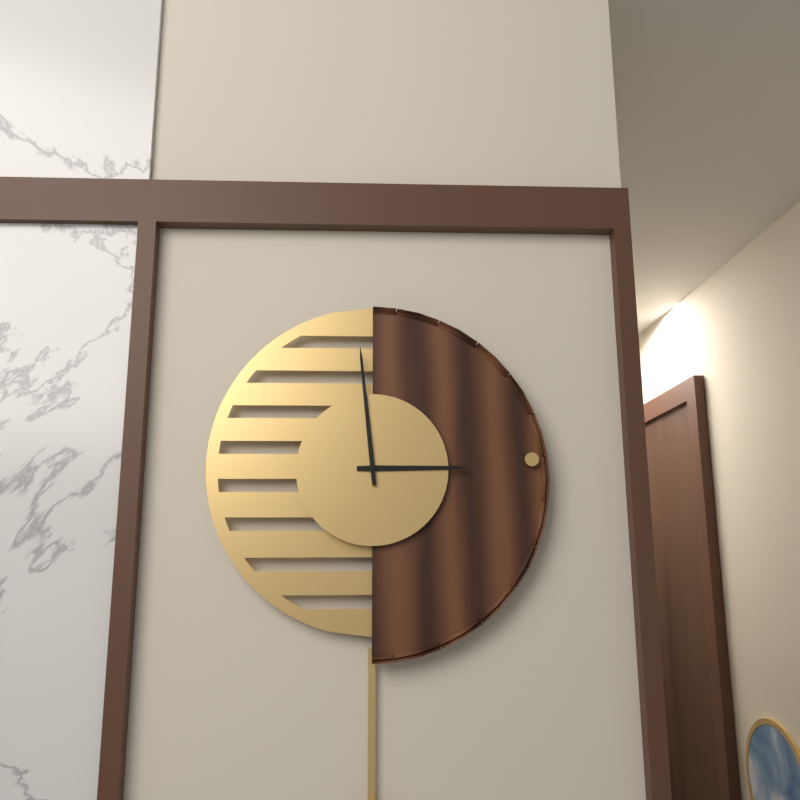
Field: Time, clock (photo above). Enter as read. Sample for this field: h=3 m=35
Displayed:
h=2 m=59
